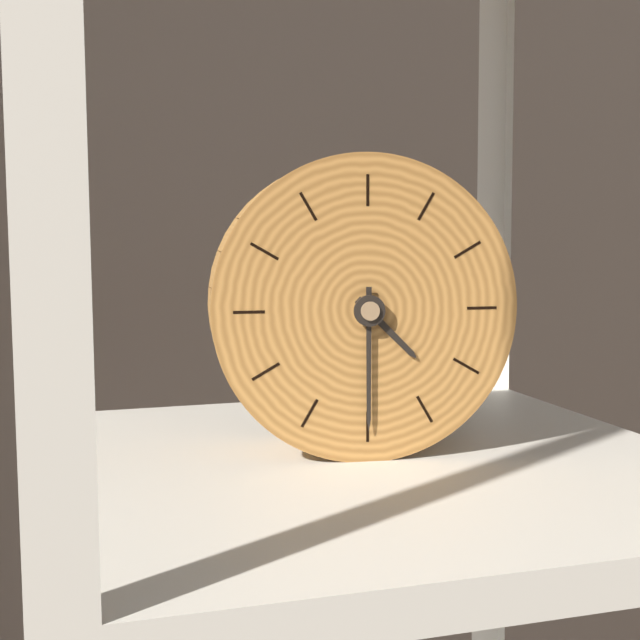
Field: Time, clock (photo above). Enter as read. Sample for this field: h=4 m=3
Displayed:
h=4 m=30
